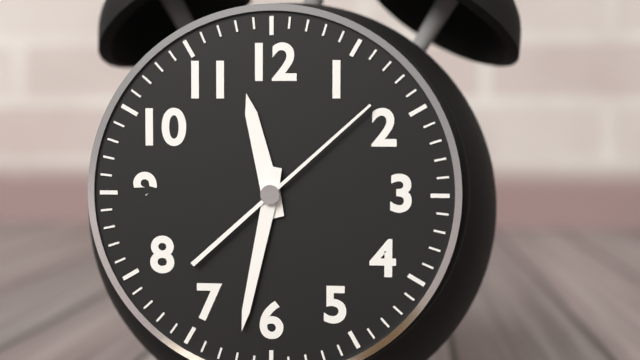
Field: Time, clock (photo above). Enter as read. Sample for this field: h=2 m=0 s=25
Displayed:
h=11 m=32 s=8
